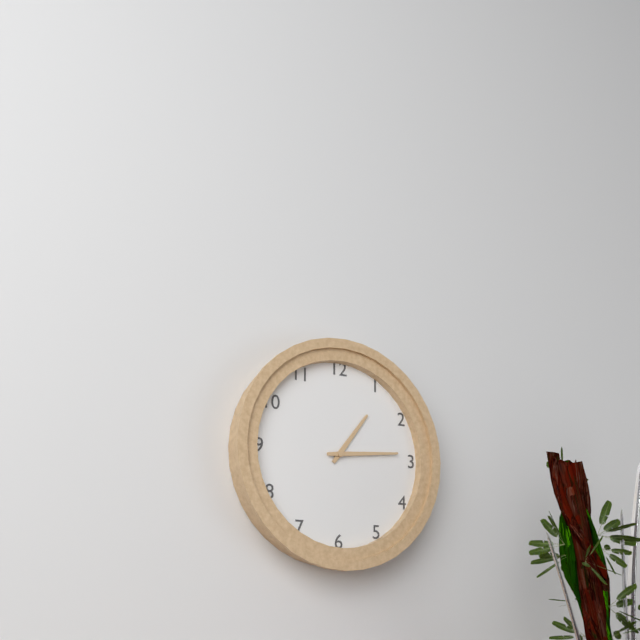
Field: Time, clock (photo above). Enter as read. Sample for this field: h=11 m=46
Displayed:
h=1 m=14
